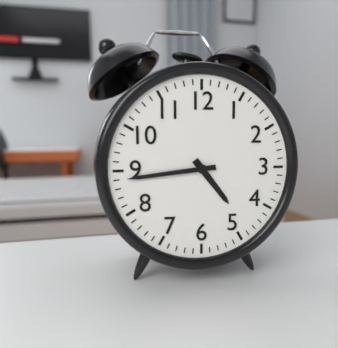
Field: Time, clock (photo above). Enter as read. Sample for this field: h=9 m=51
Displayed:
h=4 m=44
